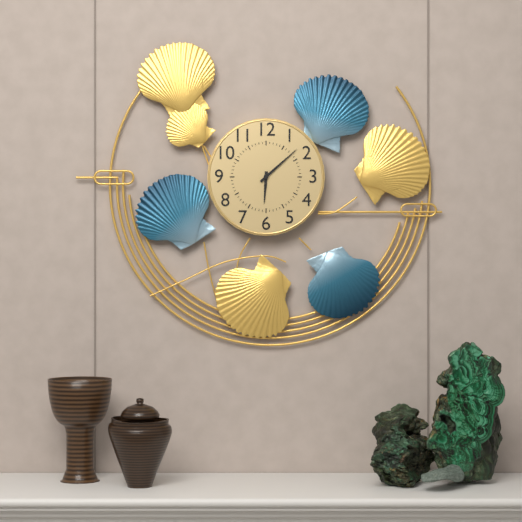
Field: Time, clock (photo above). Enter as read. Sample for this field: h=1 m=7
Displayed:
h=6 m=8
